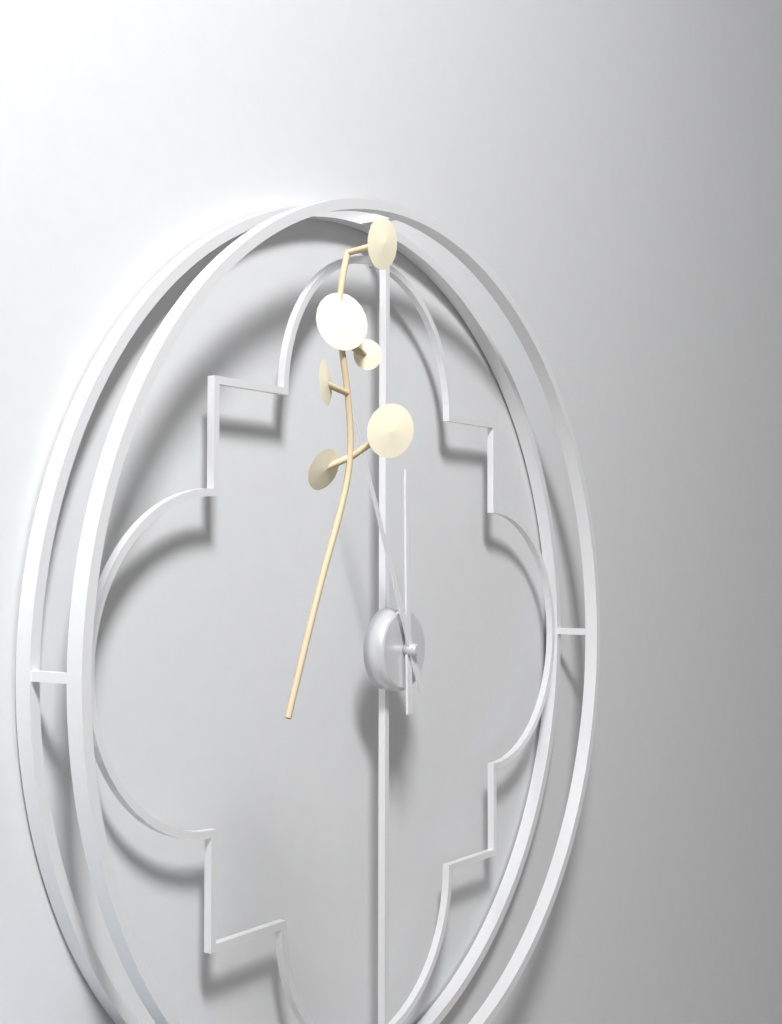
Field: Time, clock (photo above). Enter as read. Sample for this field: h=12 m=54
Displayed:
h=11 m=56
